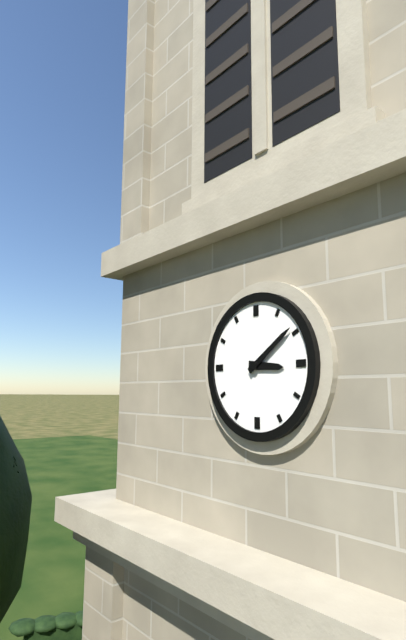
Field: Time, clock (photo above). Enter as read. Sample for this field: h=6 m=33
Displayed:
h=3 m=9
